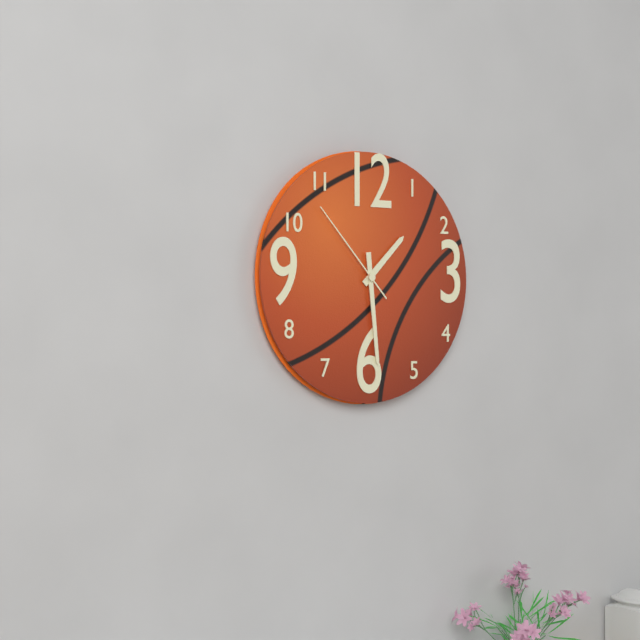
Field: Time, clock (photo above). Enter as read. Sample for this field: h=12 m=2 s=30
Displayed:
h=1 m=29 s=53
